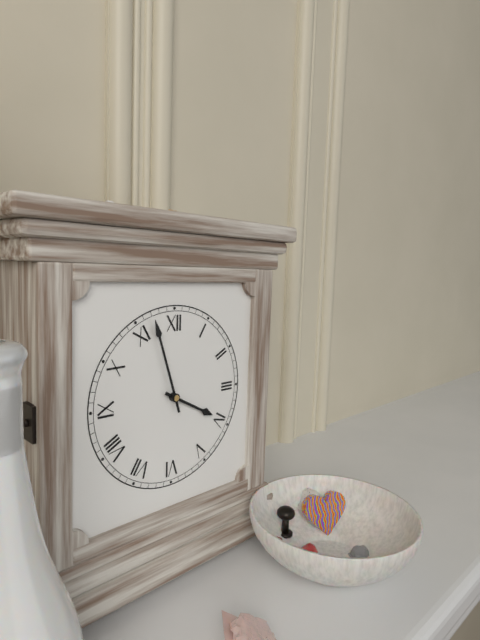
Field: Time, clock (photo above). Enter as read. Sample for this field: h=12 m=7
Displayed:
h=3 m=57
